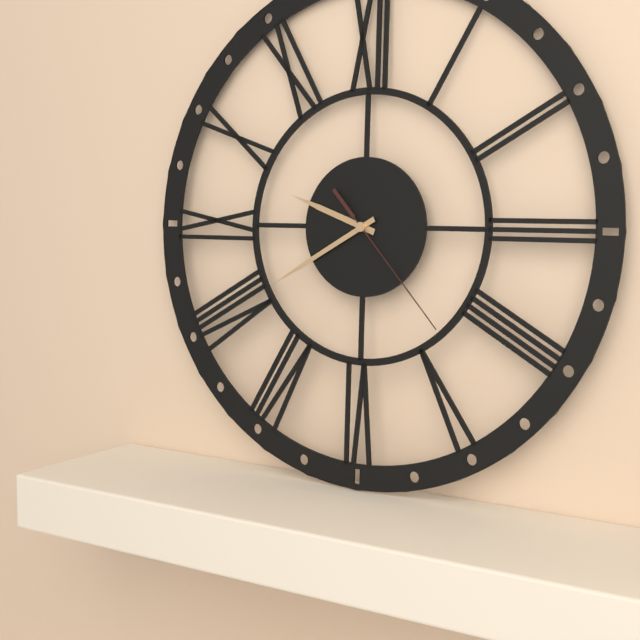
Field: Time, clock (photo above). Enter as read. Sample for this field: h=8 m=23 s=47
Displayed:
h=9 m=40 s=23
